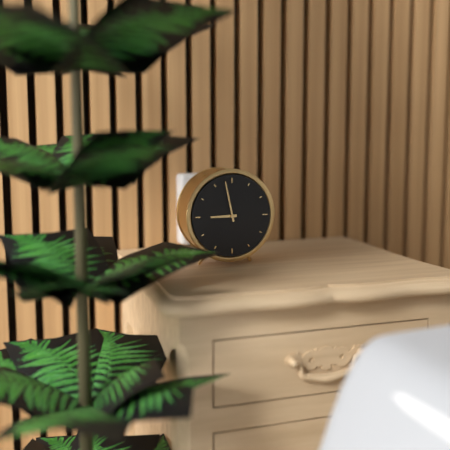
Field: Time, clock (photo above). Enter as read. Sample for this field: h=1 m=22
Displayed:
h=8 m=58
